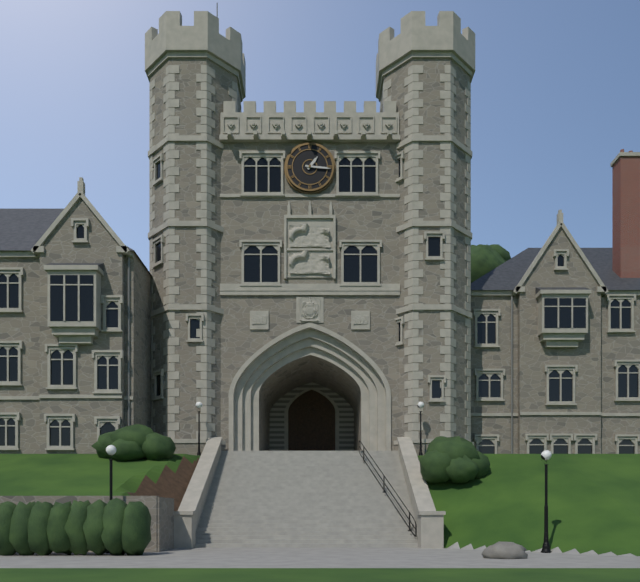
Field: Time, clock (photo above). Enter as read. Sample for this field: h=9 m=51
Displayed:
h=1 m=16
